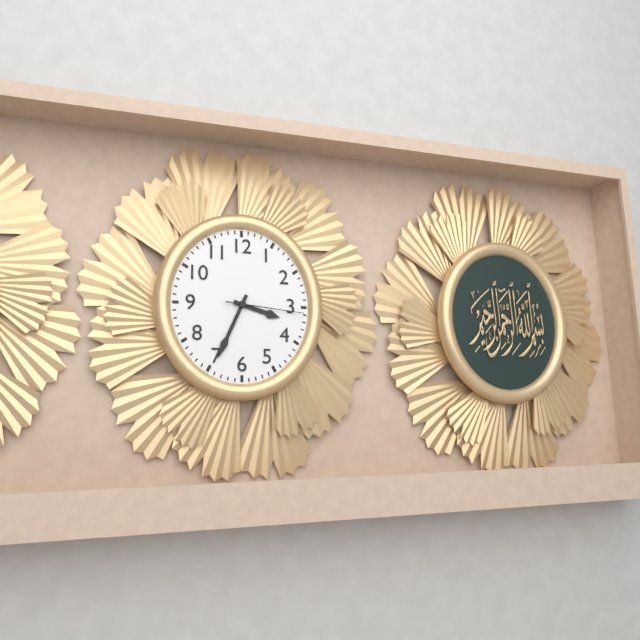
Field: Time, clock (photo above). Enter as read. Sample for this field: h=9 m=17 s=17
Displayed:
h=3 m=34 s=16
